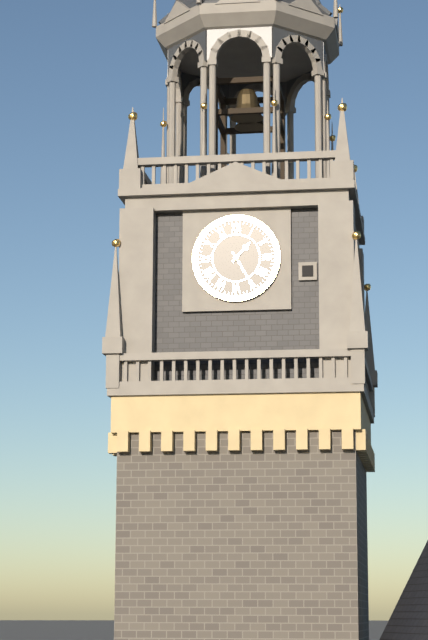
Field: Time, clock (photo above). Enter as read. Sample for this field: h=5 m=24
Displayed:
h=1 m=25
